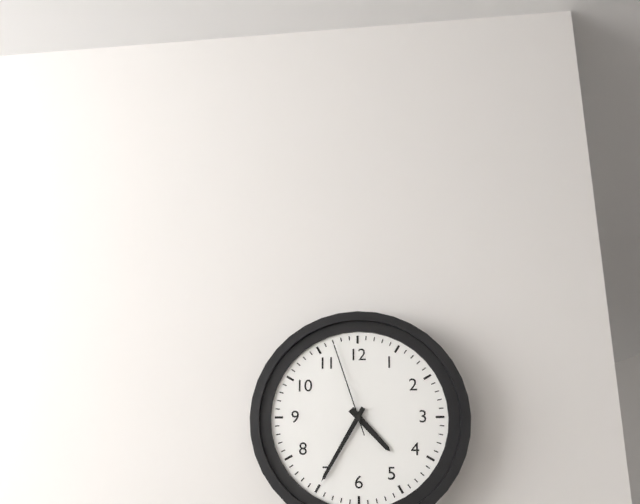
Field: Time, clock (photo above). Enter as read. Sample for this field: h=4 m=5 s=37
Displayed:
h=4 m=35 s=57
